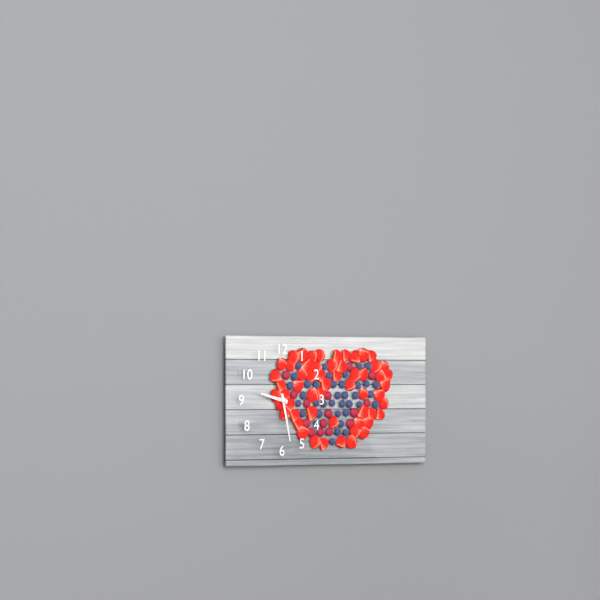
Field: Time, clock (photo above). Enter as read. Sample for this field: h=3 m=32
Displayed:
h=9 m=28
